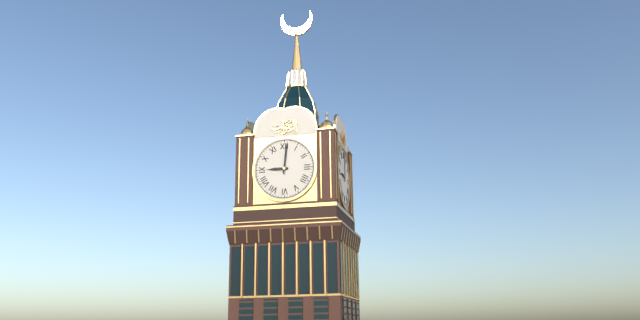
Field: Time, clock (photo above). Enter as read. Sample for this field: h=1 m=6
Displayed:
h=9 m=1
